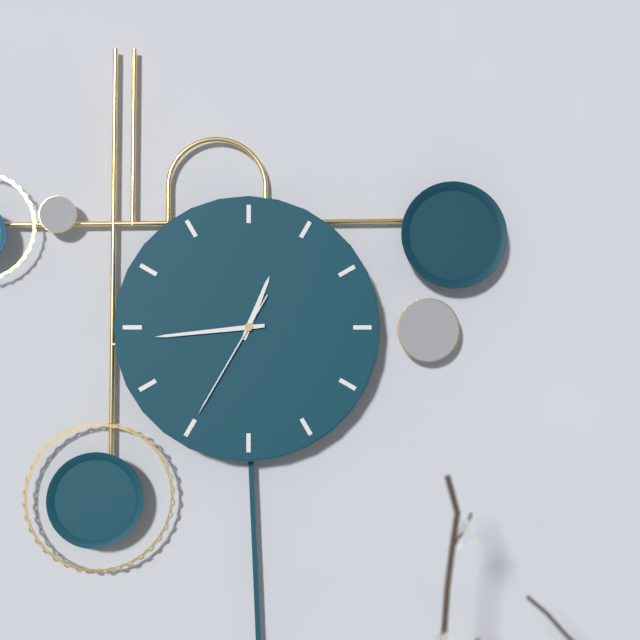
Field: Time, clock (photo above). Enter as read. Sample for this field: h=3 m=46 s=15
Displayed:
h=12 m=44 s=35
